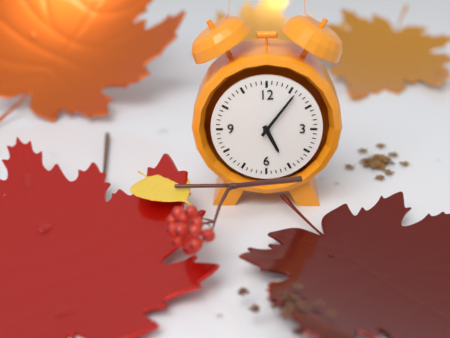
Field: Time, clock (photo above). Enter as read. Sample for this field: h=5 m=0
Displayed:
h=5 m=6
